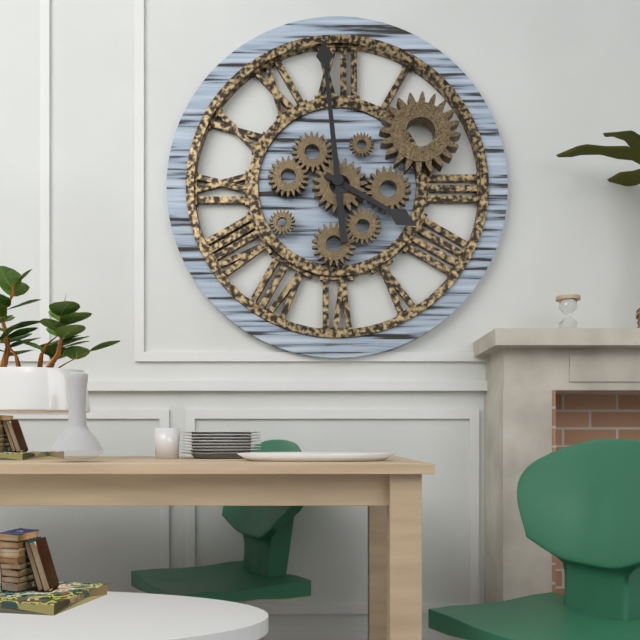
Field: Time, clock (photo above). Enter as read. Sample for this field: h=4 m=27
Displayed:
h=3 m=59
